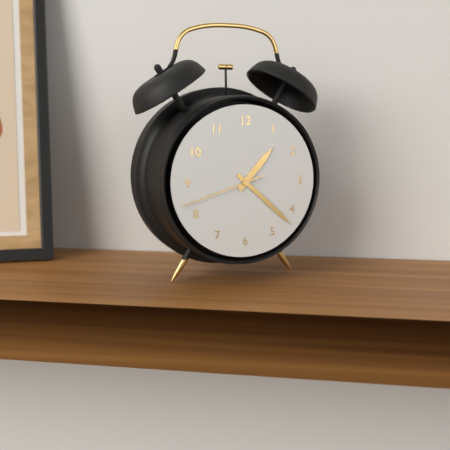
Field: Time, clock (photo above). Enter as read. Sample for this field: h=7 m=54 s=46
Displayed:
h=1 m=22 s=42
